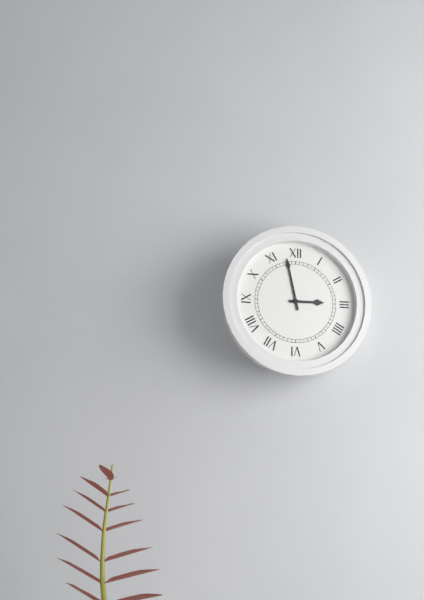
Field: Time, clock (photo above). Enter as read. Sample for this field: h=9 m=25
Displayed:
h=2 m=58
